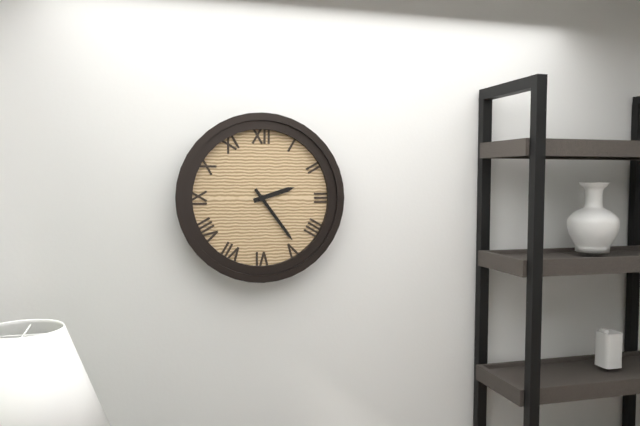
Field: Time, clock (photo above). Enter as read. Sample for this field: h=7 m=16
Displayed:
h=2 m=24
